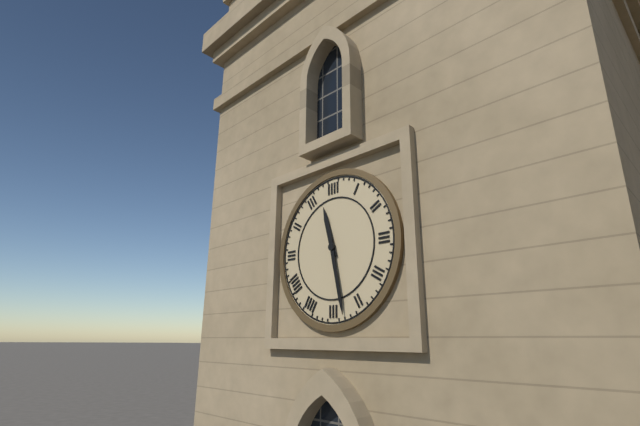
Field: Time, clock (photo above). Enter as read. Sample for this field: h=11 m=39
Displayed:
h=11 m=28
